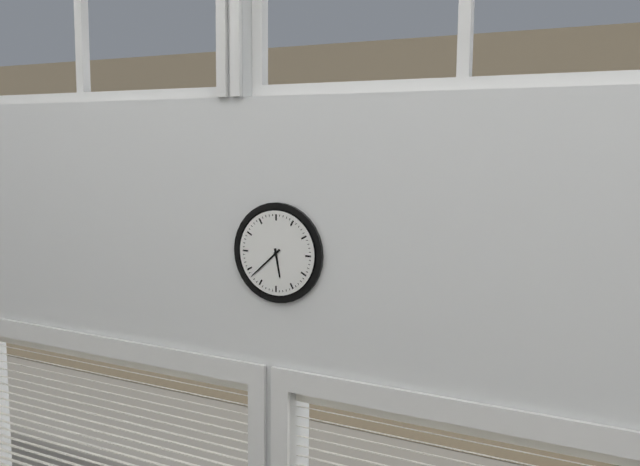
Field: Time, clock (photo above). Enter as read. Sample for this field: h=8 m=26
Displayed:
h=5 m=38
